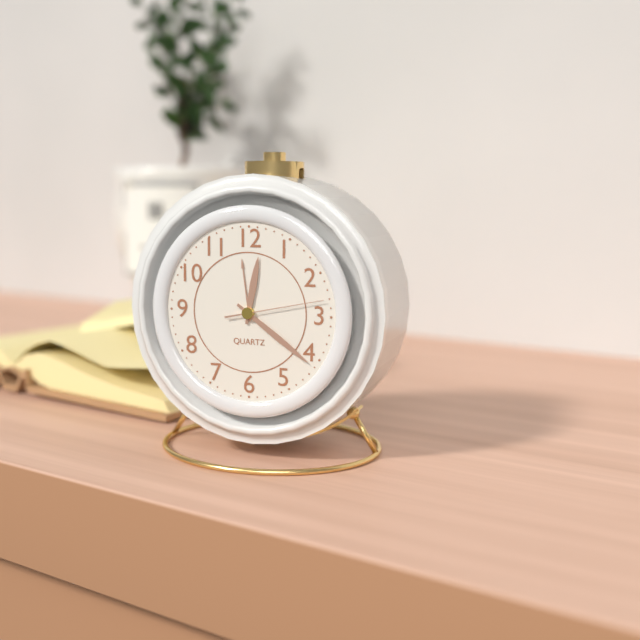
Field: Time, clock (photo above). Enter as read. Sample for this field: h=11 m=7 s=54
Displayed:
h=12 m=21 s=13
